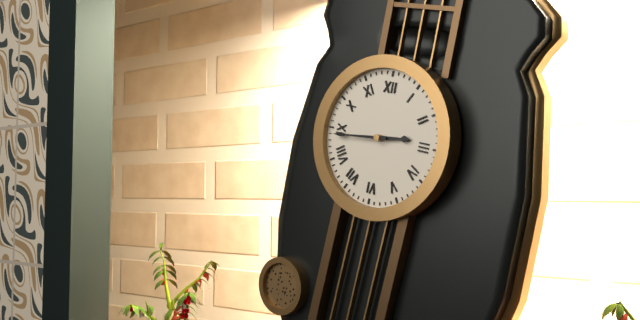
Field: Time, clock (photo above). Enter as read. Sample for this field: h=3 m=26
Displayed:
h=2 m=44
